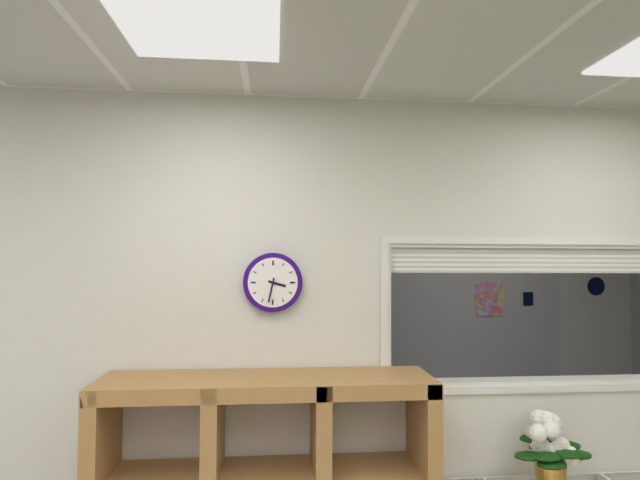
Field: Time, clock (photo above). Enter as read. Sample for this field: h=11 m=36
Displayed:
h=3 m=32
